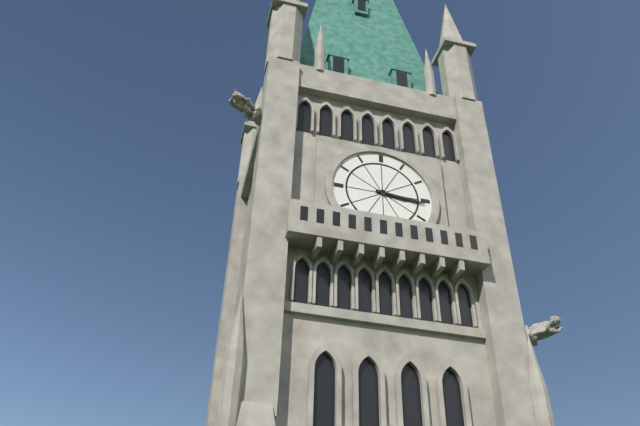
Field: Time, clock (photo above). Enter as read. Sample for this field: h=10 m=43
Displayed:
h=3 m=16
